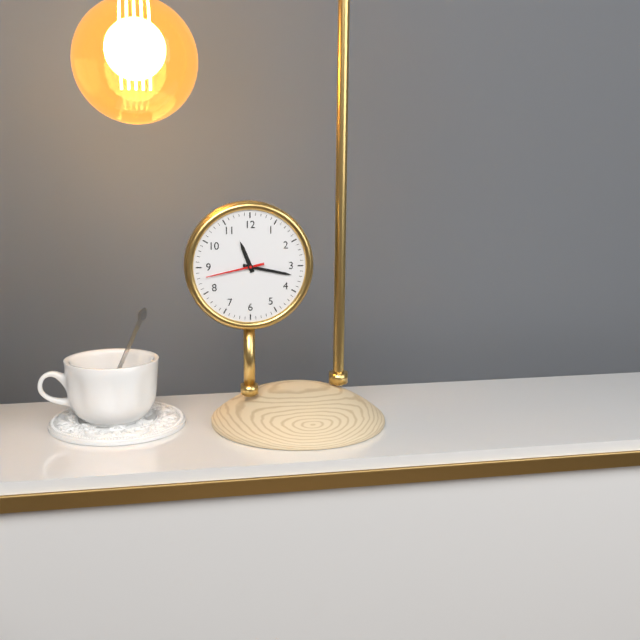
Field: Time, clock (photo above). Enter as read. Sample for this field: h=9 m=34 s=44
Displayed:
h=11 m=17 s=43
